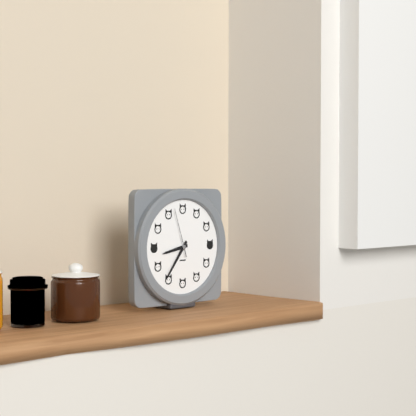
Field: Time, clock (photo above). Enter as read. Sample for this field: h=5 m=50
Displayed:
h=8 m=36
